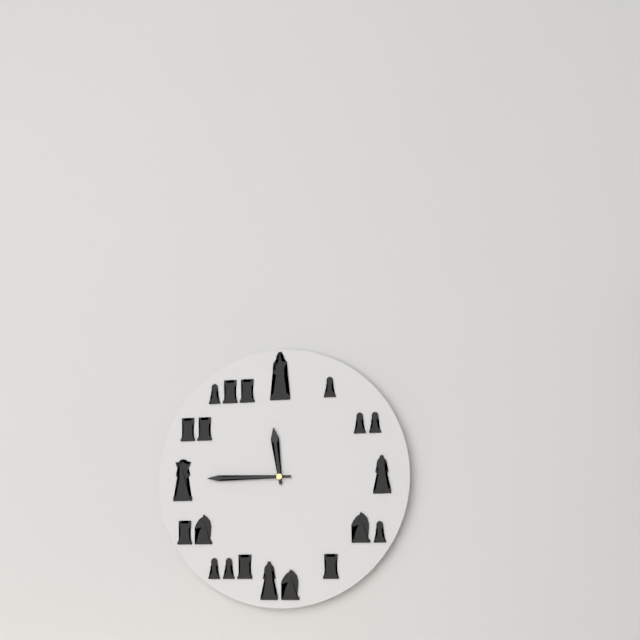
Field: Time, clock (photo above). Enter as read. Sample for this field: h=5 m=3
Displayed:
h=11 m=45
